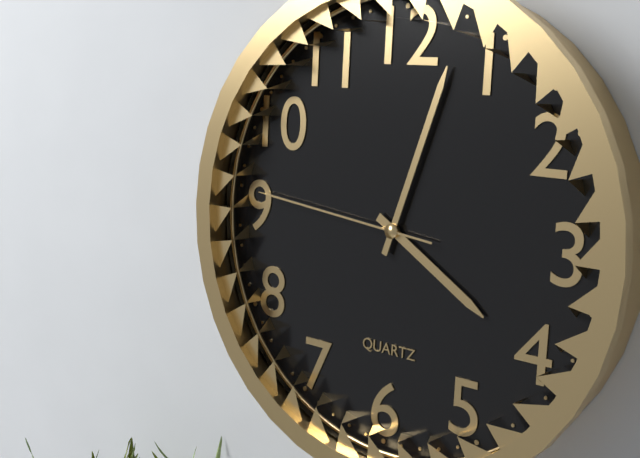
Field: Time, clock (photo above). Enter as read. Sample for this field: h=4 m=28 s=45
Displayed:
h=4 m=3 s=46
